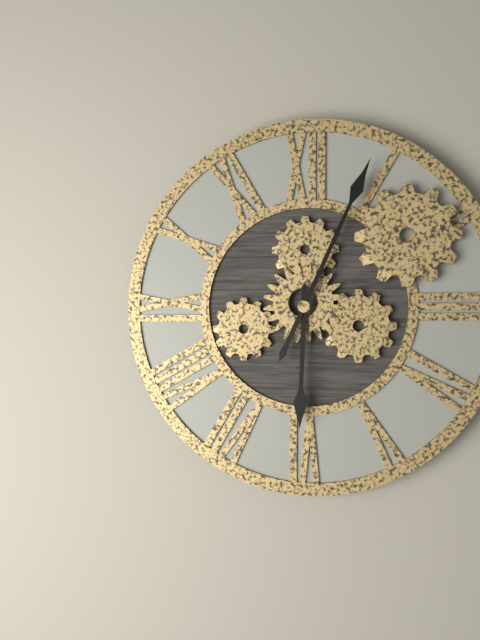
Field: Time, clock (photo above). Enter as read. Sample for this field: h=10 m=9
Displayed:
h=6 m=4
